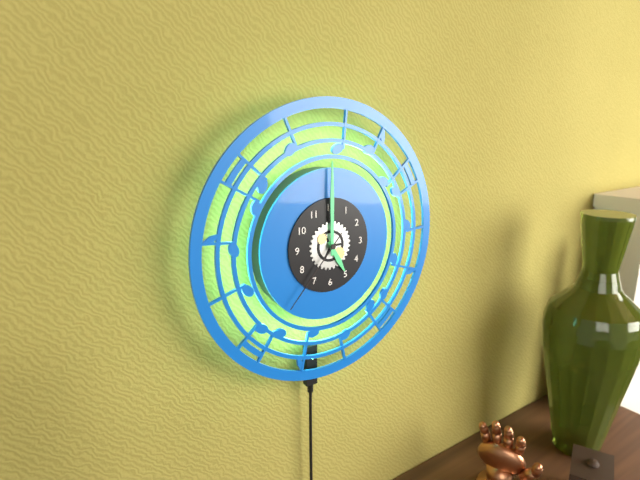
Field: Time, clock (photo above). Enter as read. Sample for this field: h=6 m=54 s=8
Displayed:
h=5 m=0 s=37
